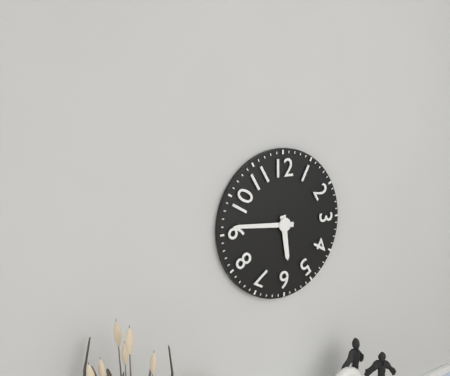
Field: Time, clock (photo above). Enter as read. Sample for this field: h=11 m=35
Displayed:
h=5 m=46
